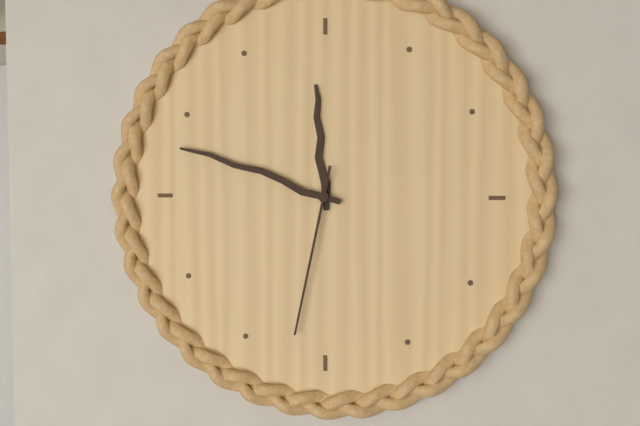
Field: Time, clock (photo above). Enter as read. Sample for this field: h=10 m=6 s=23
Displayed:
h=11 m=48 s=32
